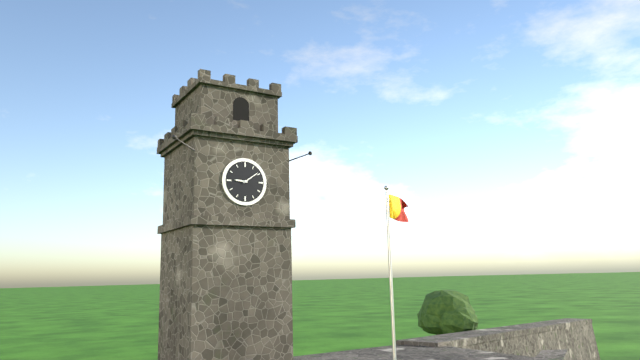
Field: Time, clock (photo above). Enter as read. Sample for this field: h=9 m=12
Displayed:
h=9 m=9
